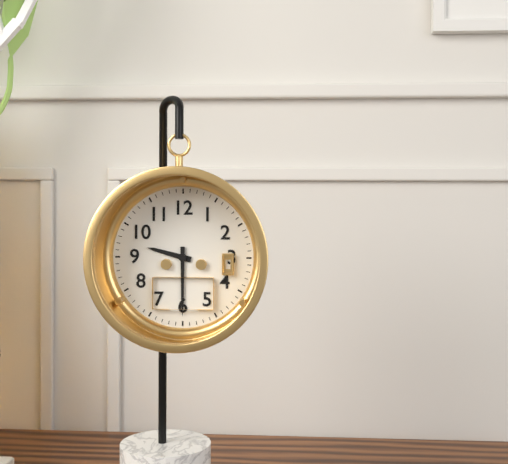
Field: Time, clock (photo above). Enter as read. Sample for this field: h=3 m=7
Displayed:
h=9 m=30
